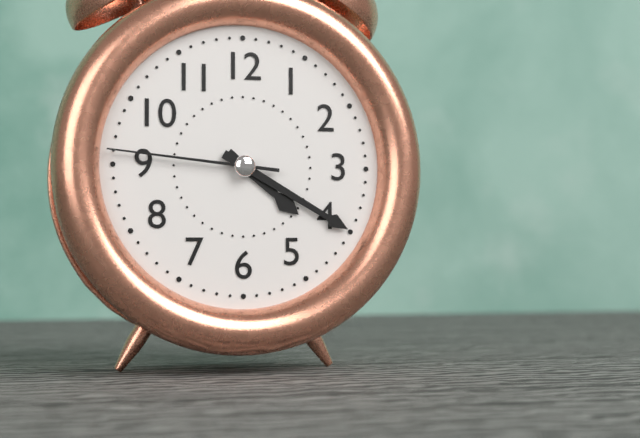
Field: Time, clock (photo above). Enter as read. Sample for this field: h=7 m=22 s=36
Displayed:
h=4 m=20 s=46
